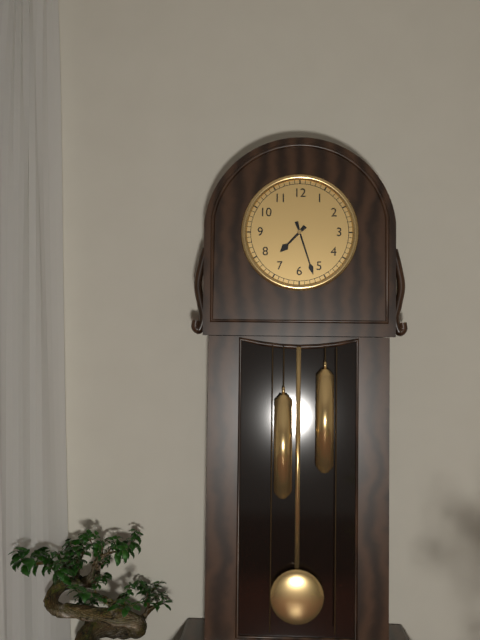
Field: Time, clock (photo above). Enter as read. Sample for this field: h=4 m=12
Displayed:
h=7 m=27
